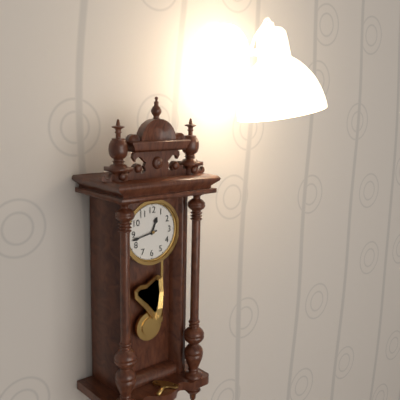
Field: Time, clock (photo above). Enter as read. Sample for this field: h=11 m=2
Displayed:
h=12 m=43
